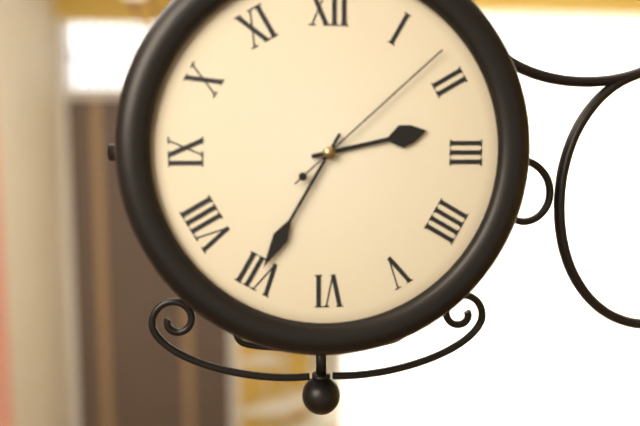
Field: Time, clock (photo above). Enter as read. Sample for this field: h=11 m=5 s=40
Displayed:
h=2 m=35 s=8
